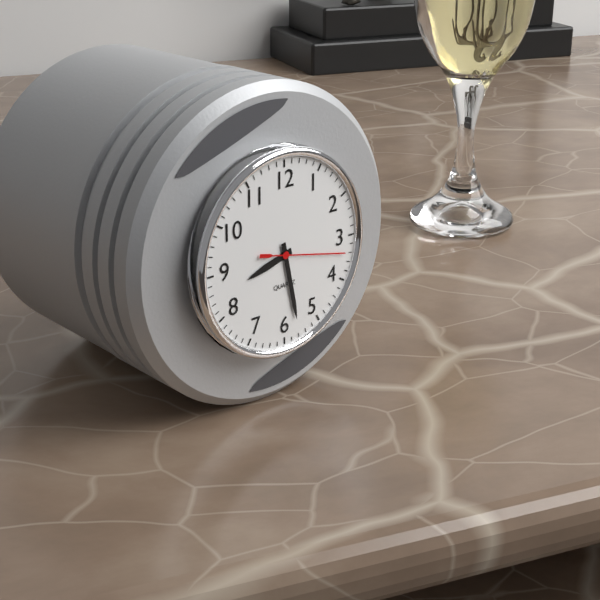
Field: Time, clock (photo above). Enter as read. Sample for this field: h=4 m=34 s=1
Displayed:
h=8 m=28 s=17
